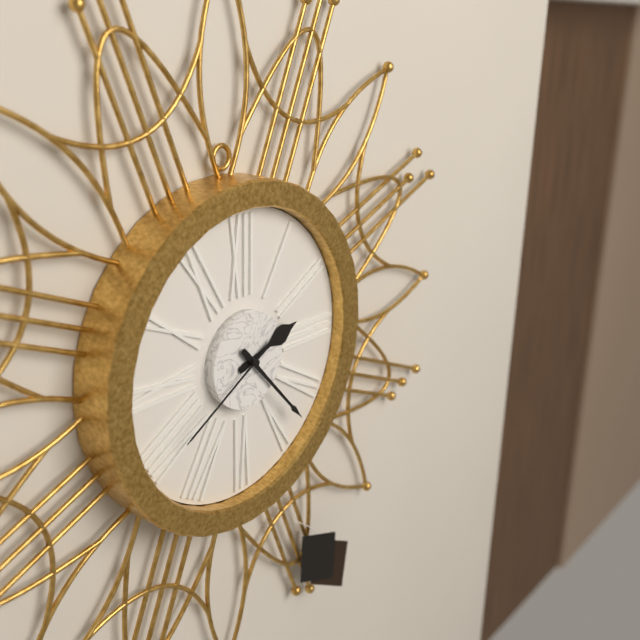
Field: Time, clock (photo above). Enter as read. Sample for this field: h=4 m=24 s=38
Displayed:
h=2 m=23 s=40
